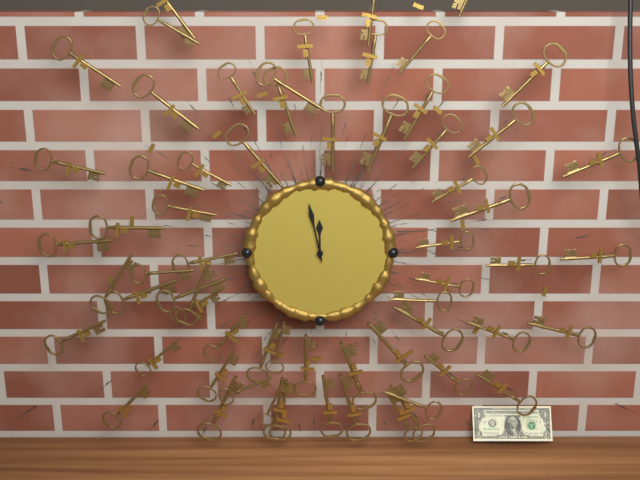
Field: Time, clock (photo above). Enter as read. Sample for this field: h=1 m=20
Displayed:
h=11 m=58
